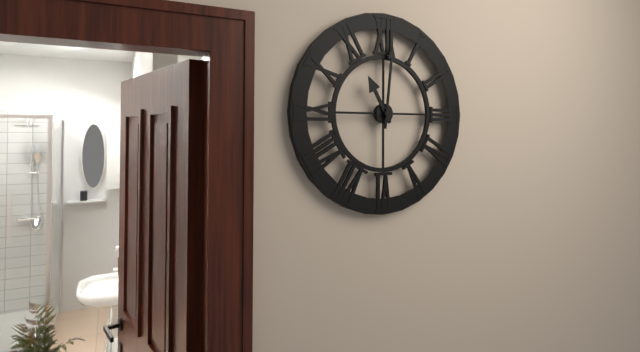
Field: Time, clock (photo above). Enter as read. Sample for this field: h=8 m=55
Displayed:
h=11 m=1
